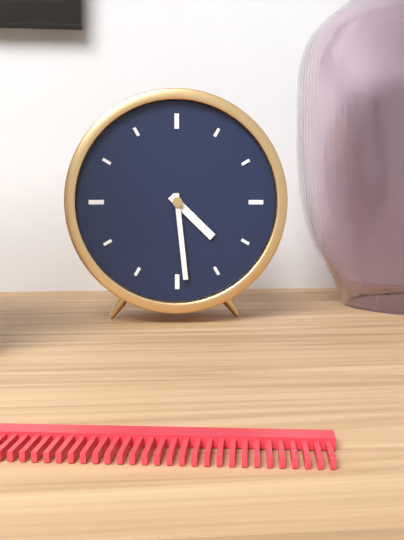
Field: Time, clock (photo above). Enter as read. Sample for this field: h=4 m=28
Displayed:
h=4 m=29
